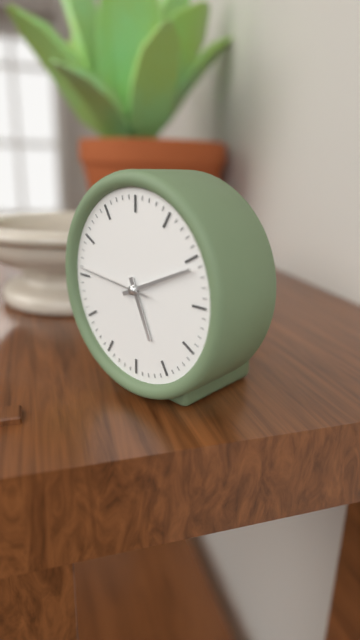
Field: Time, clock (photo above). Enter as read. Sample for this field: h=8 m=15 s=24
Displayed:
h=5 m=11 s=46
